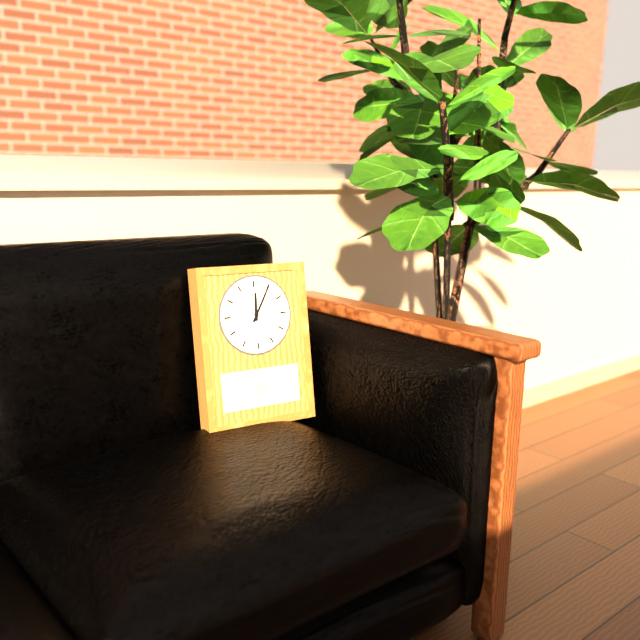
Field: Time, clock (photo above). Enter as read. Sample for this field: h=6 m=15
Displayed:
h=12 m=5
